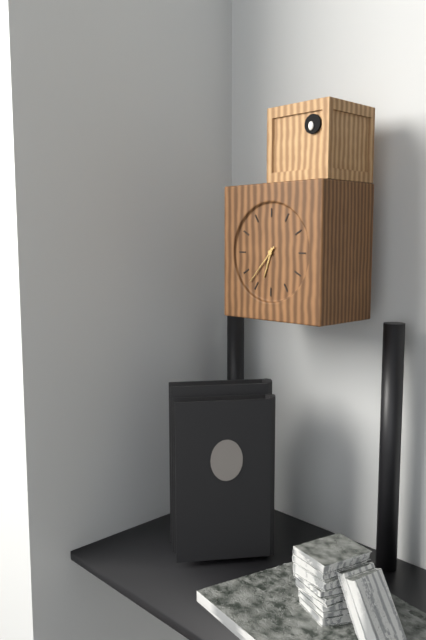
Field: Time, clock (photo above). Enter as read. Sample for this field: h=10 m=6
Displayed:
h=6 m=37
